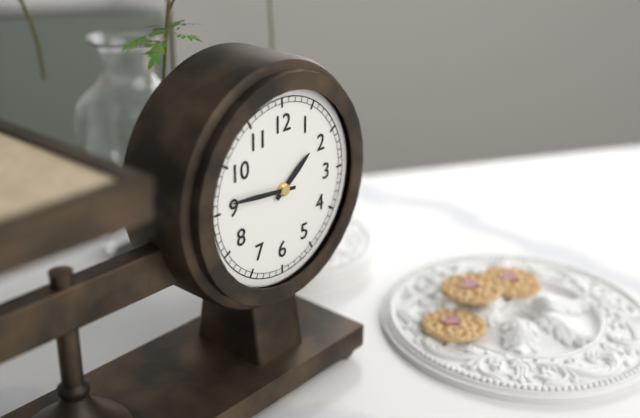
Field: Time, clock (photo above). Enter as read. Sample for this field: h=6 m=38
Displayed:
h=1 m=46
